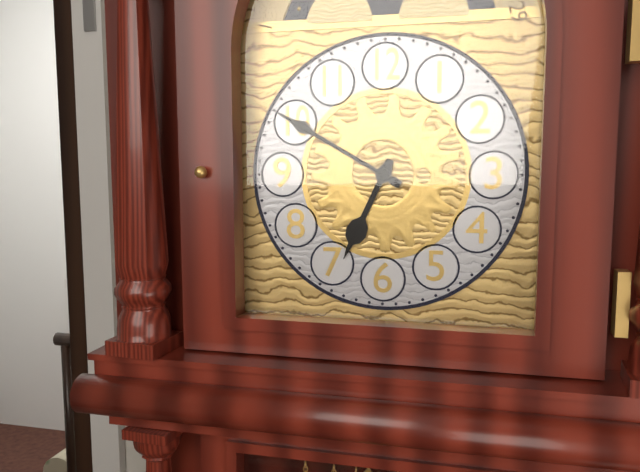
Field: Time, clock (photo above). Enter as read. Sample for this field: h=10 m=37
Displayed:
h=6 m=50
